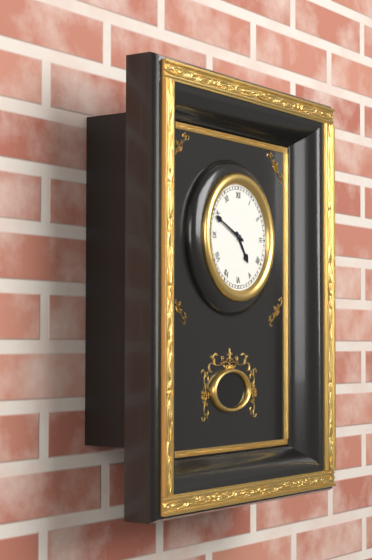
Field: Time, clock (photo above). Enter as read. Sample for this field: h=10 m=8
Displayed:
h=4 m=49
